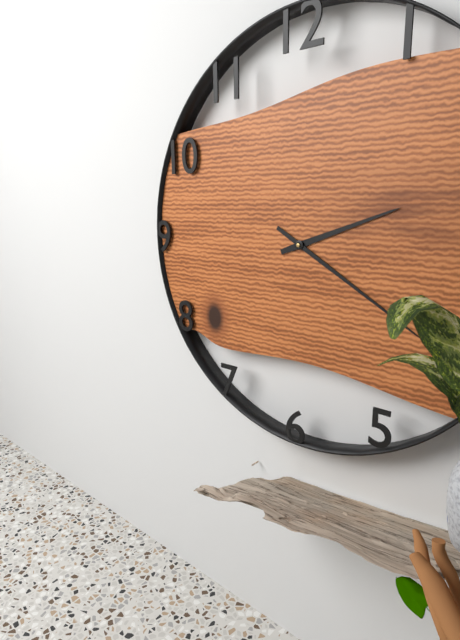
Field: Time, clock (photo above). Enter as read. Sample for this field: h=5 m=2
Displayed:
h=2 m=20
